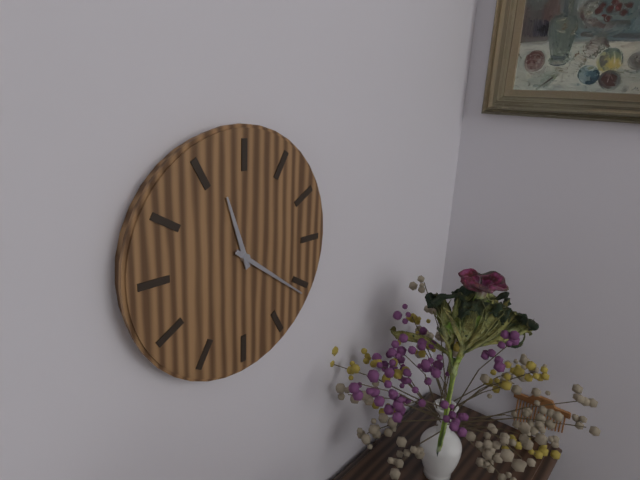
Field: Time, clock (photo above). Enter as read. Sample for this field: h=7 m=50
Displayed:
h=11 m=21
